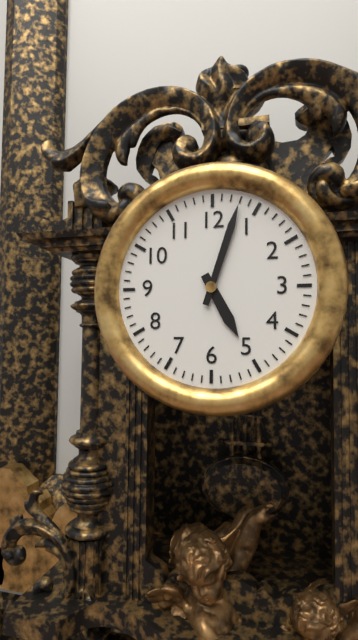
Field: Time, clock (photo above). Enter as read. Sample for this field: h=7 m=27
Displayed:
h=5 m=3
